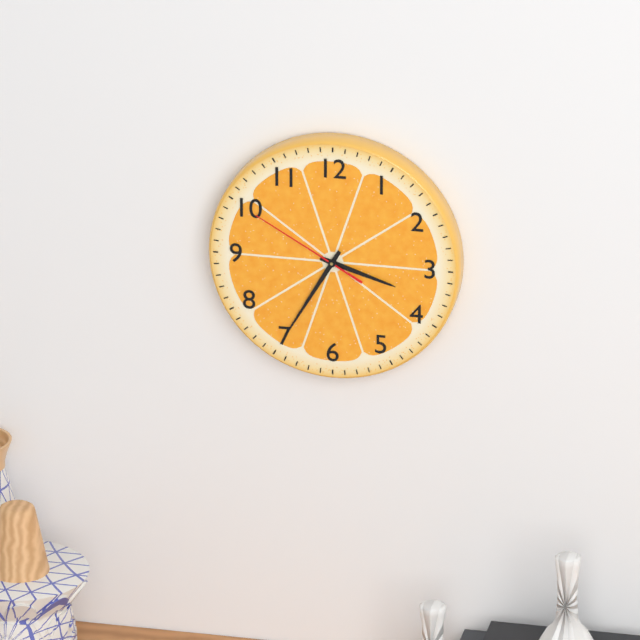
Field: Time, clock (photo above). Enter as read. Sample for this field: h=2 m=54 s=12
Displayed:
h=3 m=35 s=50
